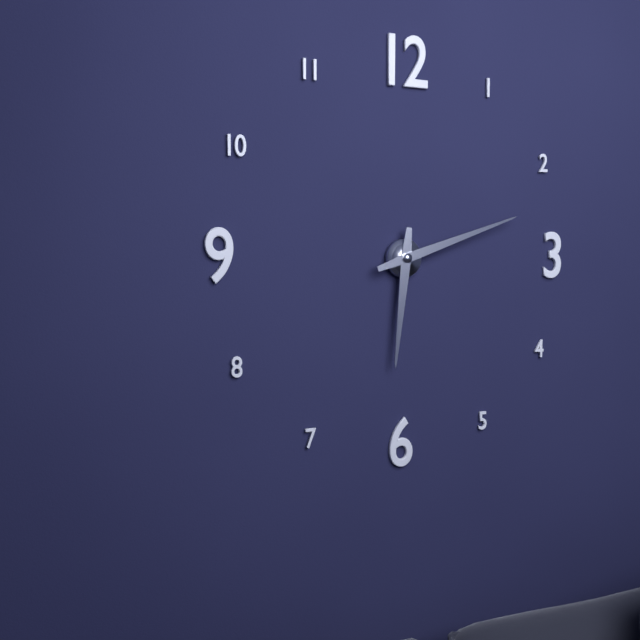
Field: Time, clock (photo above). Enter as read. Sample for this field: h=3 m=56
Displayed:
h=6 m=12
